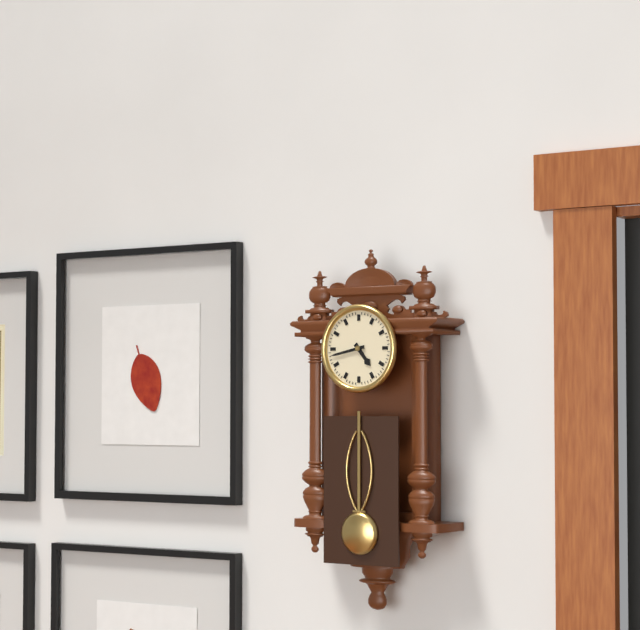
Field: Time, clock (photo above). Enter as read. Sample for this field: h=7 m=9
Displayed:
h=4 m=43
